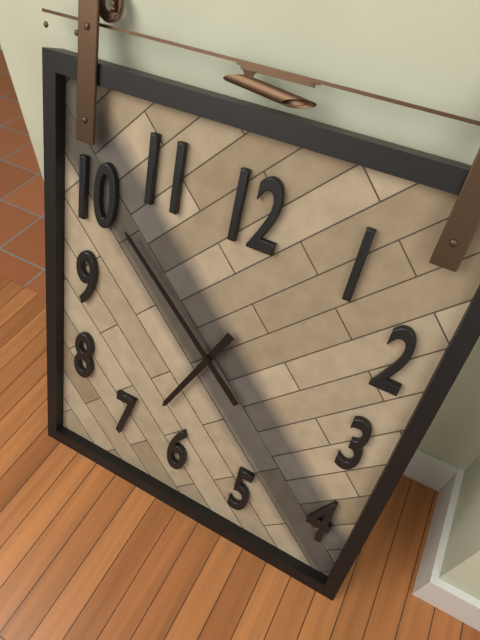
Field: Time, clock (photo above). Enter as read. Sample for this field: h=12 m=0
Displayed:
h=6 m=52
